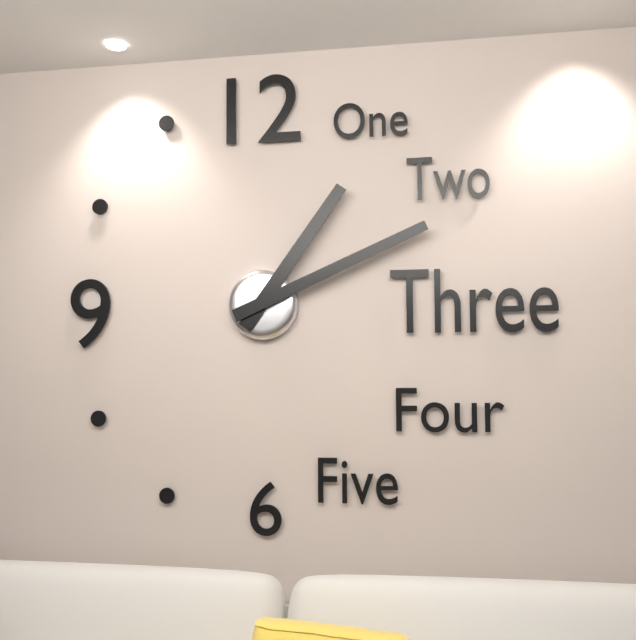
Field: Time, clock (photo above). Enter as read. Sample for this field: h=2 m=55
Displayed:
h=1 m=11
